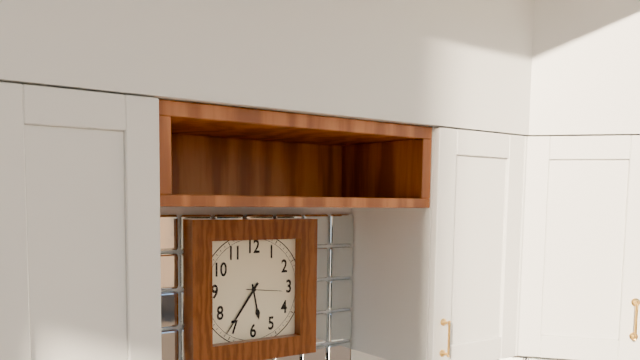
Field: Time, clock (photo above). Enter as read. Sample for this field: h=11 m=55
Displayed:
h=5 m=36
